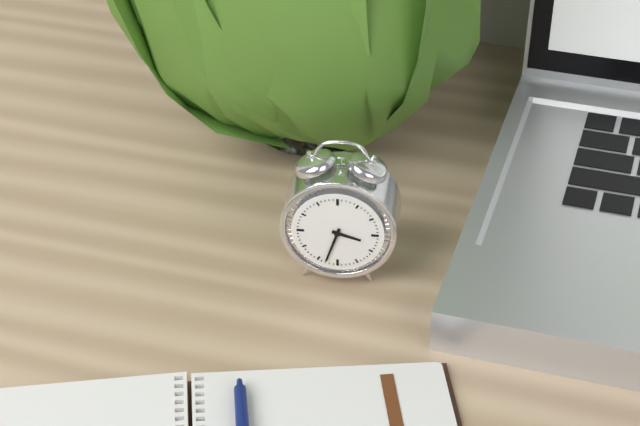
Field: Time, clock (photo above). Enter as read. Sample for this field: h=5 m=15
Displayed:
h=3 m=33
